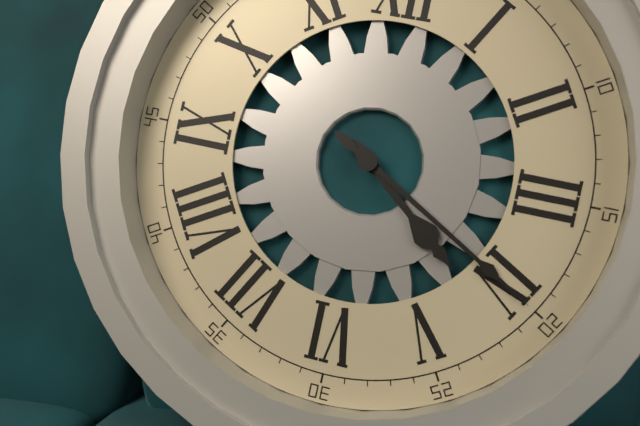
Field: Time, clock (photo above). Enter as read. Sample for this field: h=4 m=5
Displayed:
h=4 m=20
